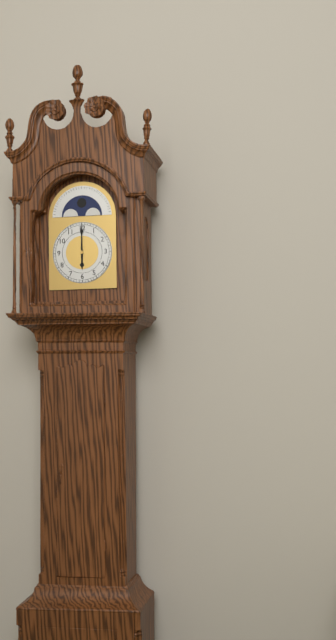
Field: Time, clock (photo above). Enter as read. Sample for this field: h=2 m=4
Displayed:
h=6 m=0
